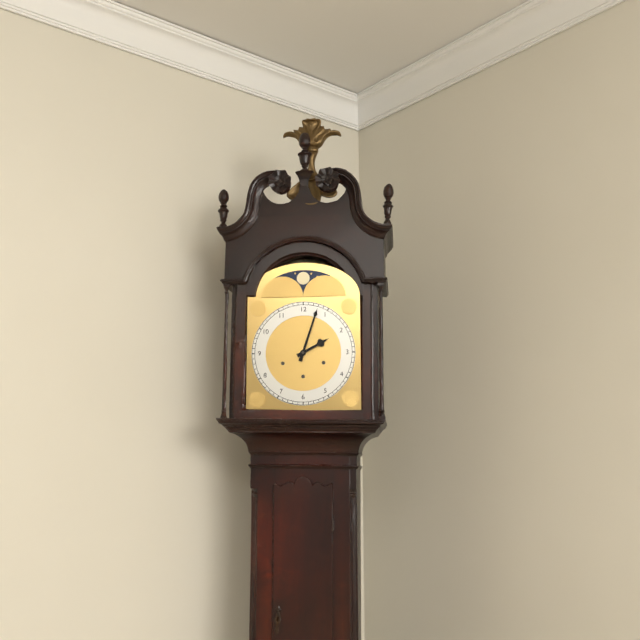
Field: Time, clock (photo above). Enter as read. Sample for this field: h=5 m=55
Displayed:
h=2 m=3
